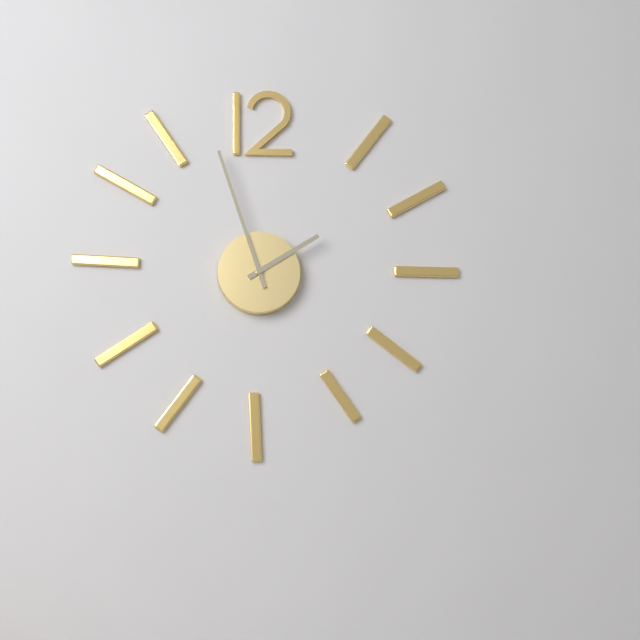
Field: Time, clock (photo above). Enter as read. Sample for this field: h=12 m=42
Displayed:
h=1 m=57
